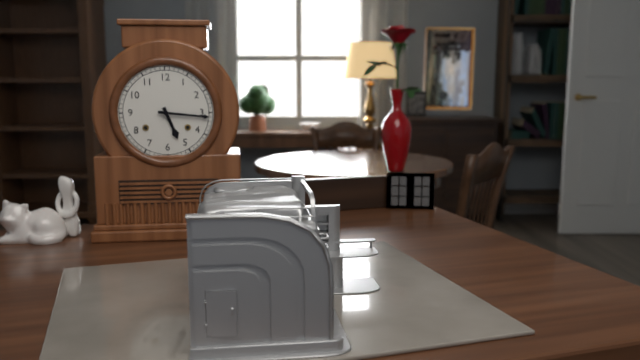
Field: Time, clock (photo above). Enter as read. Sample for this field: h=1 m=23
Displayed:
h=5 m=16
